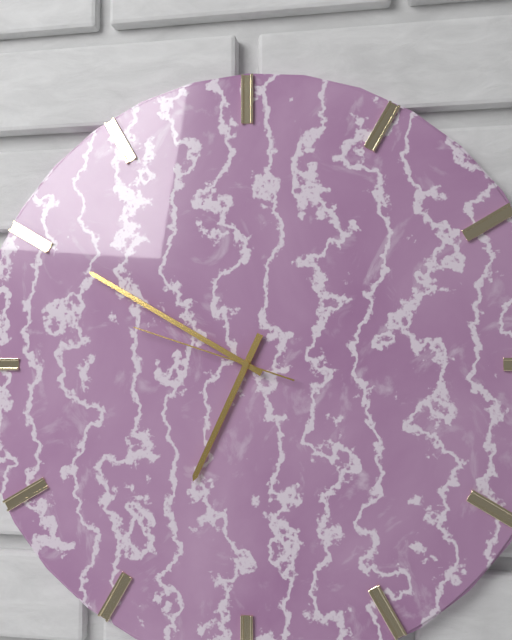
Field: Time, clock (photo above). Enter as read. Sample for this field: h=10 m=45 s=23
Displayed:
h=6 m=50 s=48
